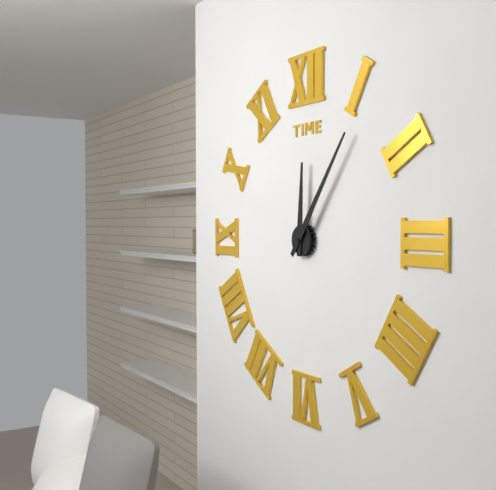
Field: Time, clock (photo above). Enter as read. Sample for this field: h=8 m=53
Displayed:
h=12 m=6
